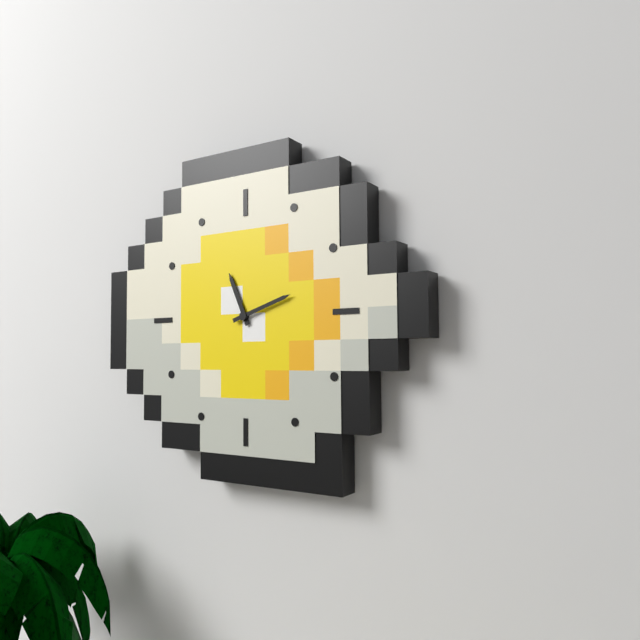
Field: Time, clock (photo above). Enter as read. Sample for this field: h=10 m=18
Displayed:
h=11 m=12
